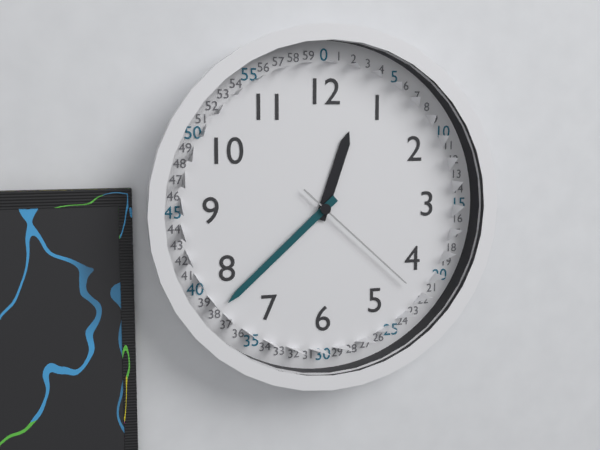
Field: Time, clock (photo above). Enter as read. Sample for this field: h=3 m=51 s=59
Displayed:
h=12 m=38 s=22
